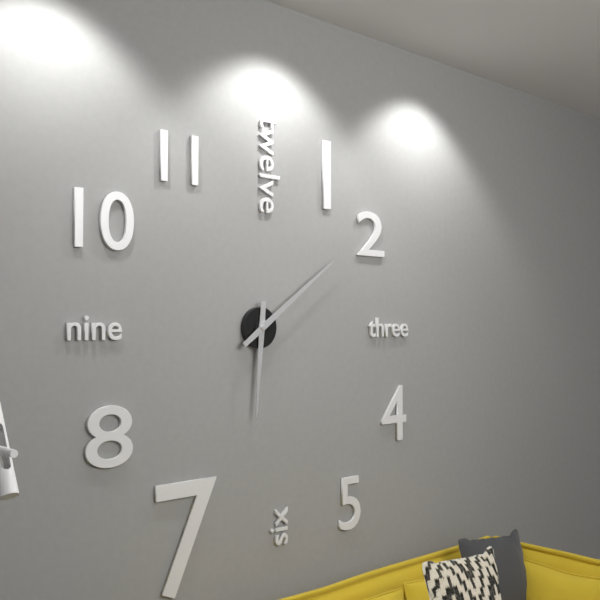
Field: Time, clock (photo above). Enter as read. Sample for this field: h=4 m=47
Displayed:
h=6 m=9
